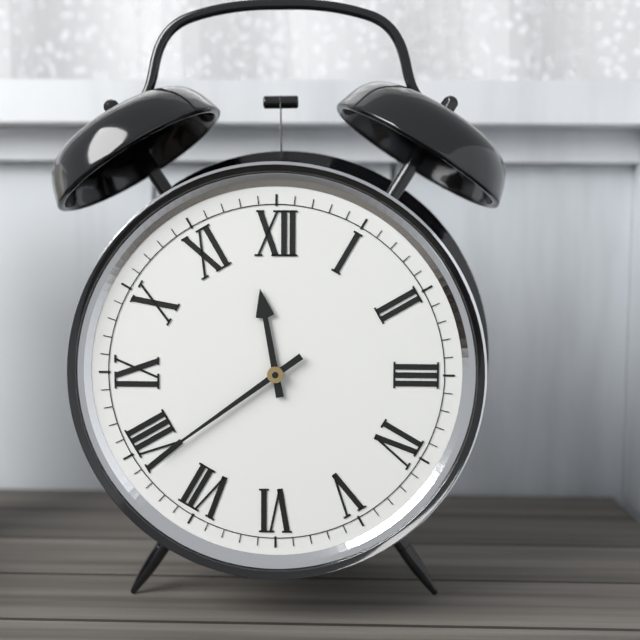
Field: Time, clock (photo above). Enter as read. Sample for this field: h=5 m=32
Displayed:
h=11 m=39
